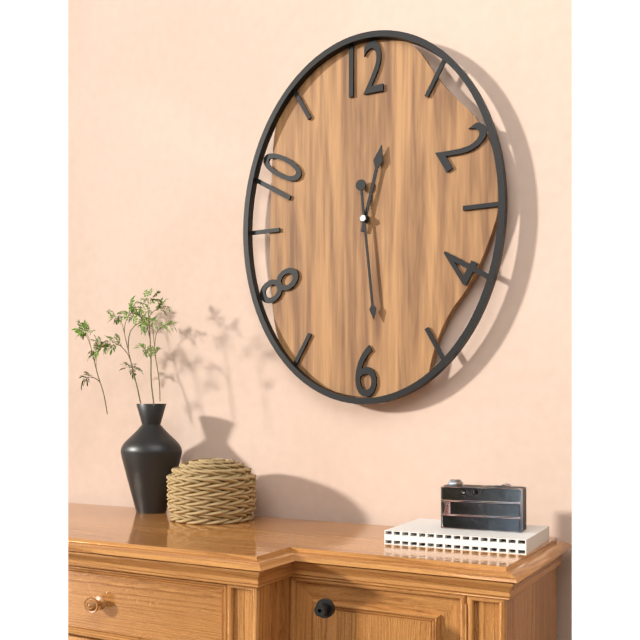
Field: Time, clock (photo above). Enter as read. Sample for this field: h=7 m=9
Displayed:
h=12 m=29
